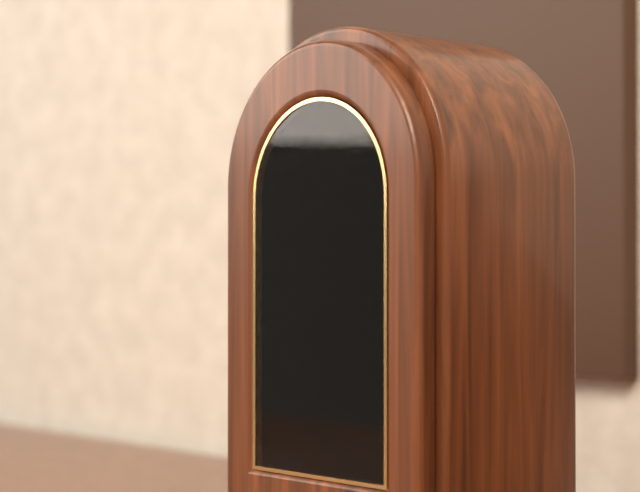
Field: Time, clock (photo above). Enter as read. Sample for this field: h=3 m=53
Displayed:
h=10 m=15
